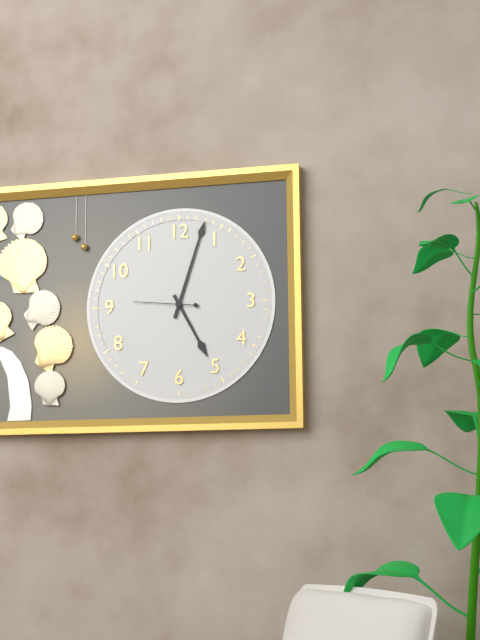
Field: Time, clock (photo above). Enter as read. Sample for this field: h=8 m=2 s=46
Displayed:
h=5 m=3 s=46
